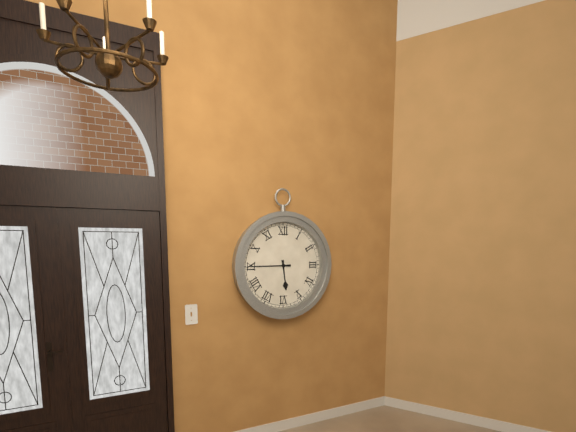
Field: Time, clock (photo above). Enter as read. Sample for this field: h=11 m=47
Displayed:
h=5 m=45
